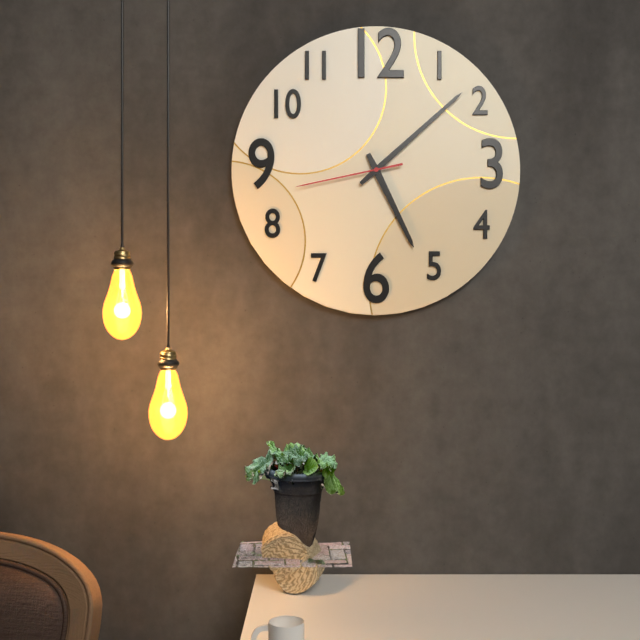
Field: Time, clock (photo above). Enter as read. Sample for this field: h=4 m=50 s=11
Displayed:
h=5 m=8 s=43
